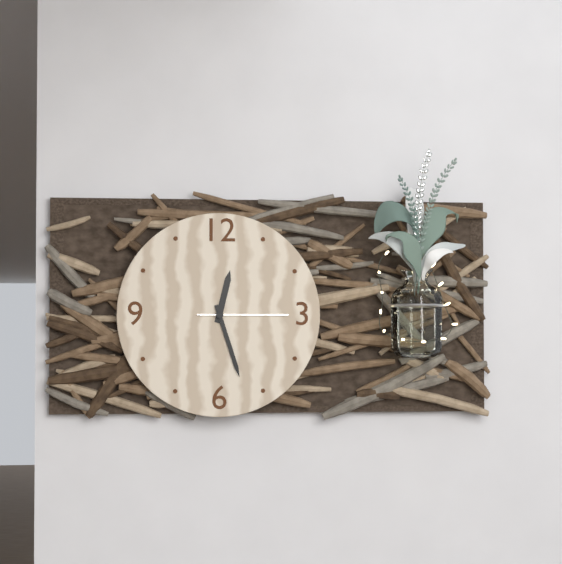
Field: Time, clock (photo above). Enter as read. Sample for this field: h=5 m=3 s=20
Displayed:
h=12 m=27 s=15
